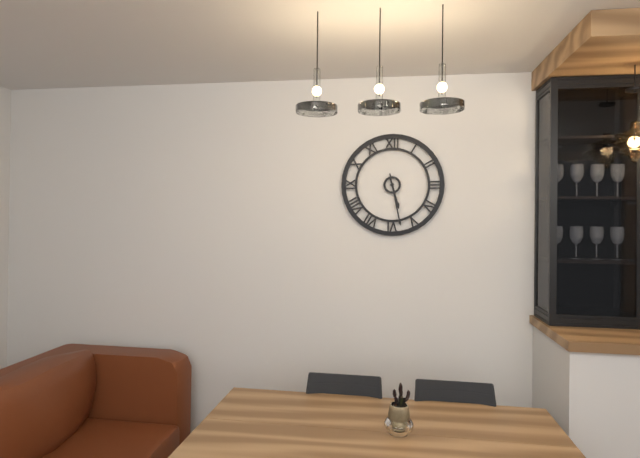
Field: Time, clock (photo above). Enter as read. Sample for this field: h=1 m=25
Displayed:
h=5 m=28
